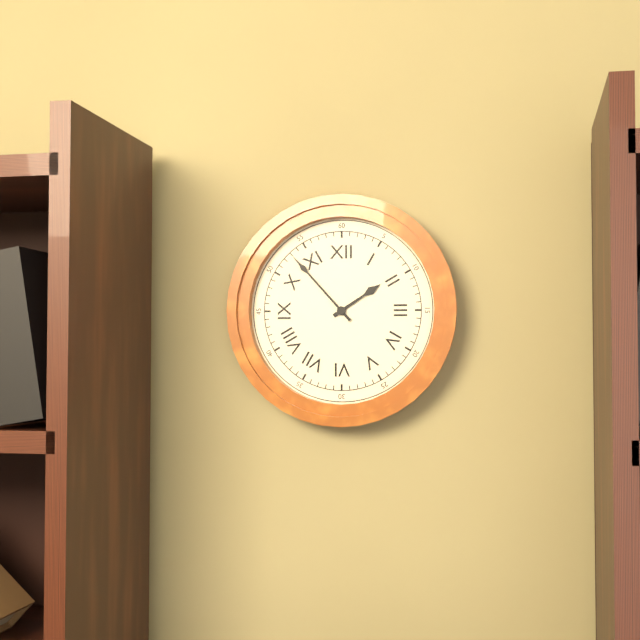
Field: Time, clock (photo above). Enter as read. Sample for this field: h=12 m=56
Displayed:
h=1 m=53
